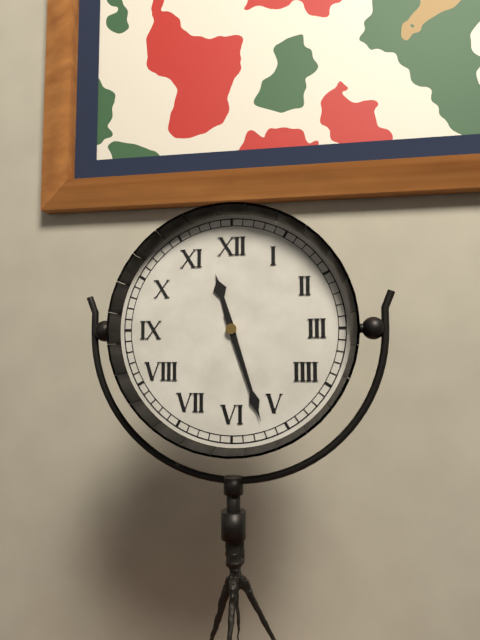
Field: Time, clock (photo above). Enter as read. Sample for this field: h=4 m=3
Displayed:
h=11 m=27
